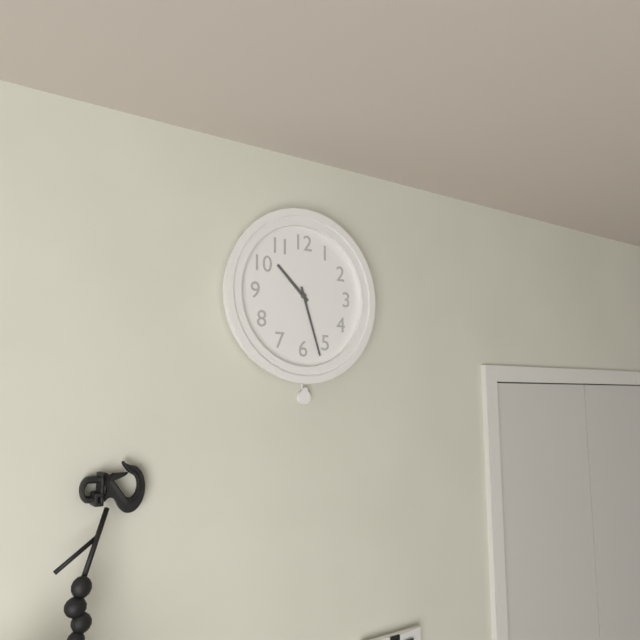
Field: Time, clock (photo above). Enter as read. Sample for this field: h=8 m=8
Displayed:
h=10 m=27
